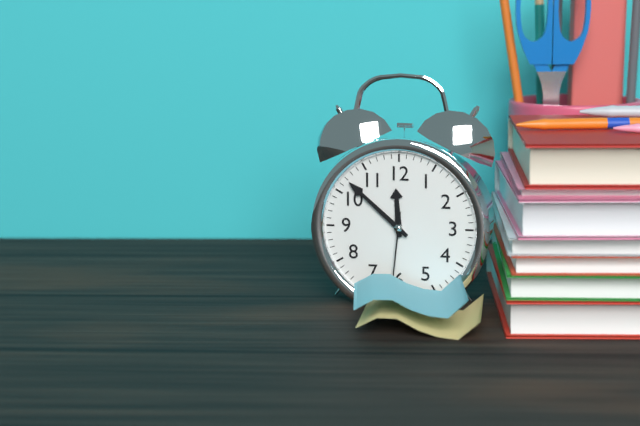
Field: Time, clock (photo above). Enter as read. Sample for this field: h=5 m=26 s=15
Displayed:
h=11 m=52 s=31
